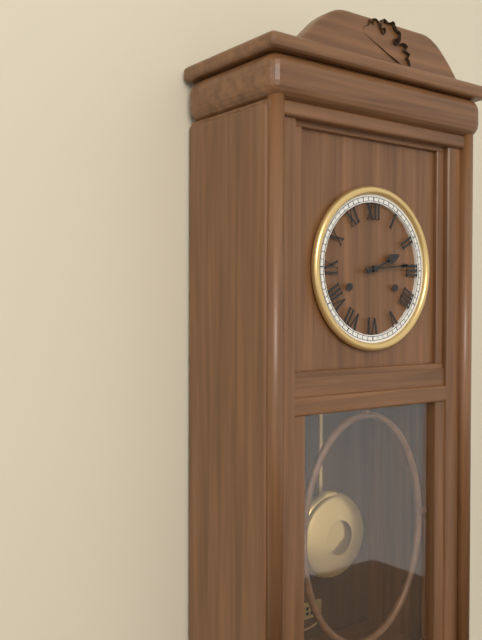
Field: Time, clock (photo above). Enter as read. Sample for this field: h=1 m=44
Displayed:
h=2 m=14
